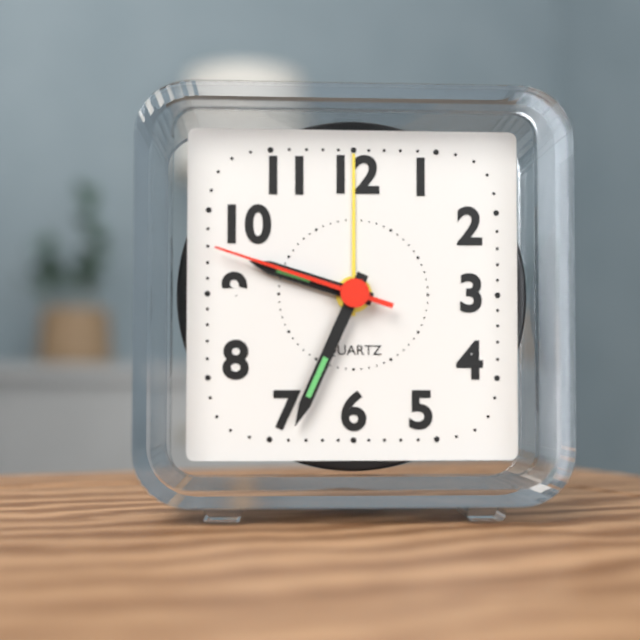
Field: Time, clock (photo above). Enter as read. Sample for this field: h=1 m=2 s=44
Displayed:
h=9 m=34 s=48
